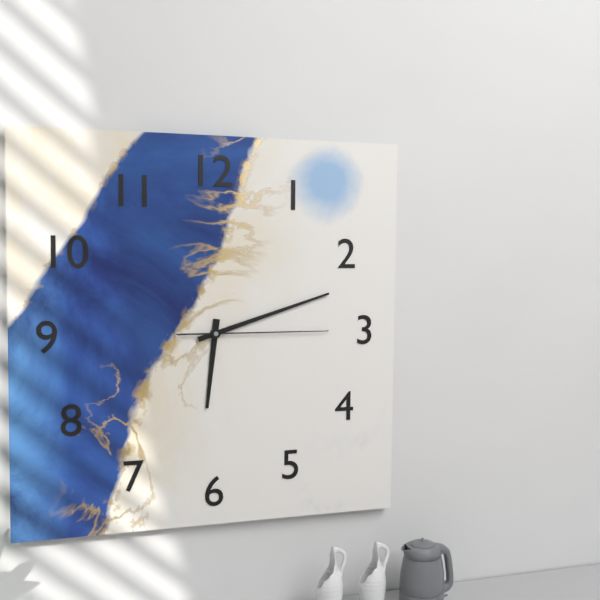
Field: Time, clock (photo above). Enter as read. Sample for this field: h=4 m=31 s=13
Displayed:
h=6 m=12 s=15
